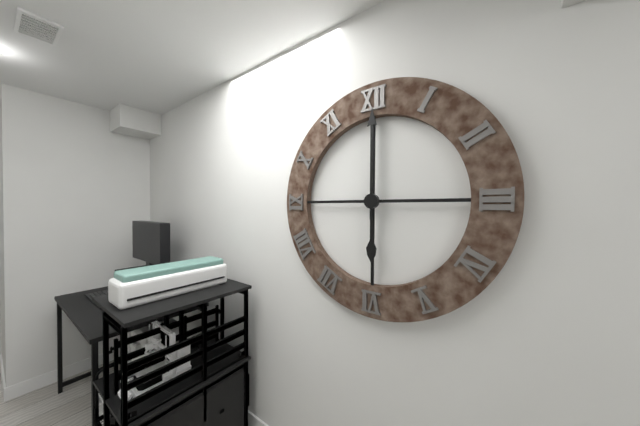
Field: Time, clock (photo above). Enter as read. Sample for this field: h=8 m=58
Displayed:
h=6 m=0
